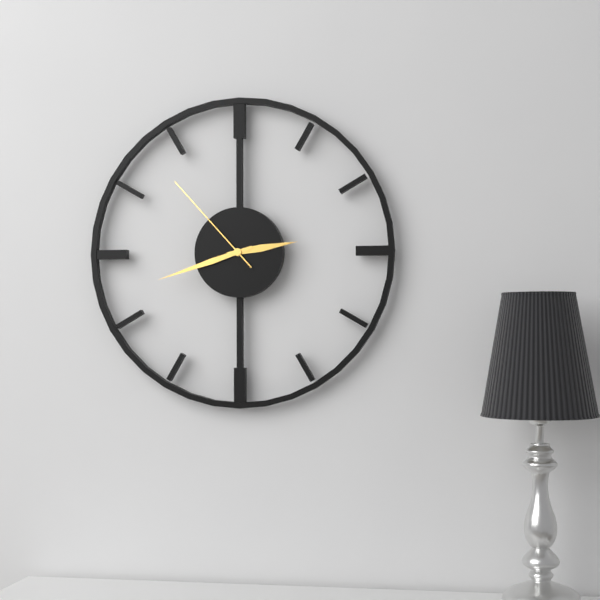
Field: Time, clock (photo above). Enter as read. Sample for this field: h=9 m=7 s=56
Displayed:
h=2 m=42 s=53
